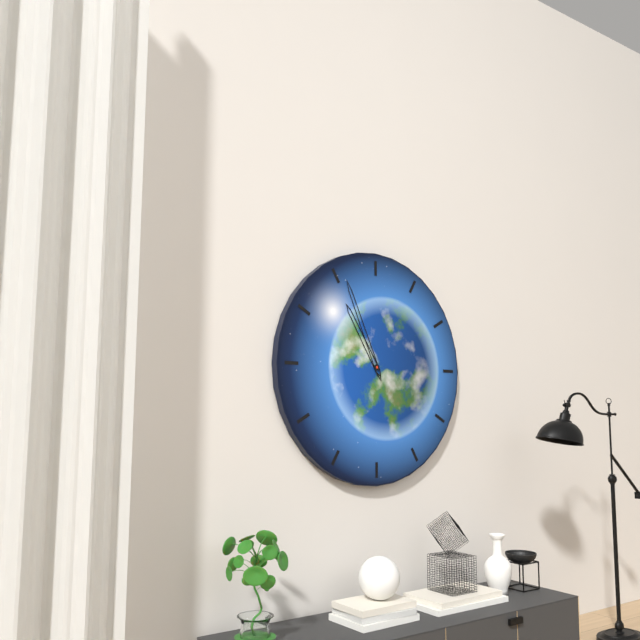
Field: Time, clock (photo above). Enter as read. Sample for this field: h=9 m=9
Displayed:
h=10 m=56
